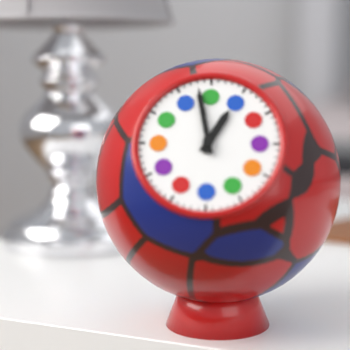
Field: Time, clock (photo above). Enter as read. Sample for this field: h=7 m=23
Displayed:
h=12 m=58
